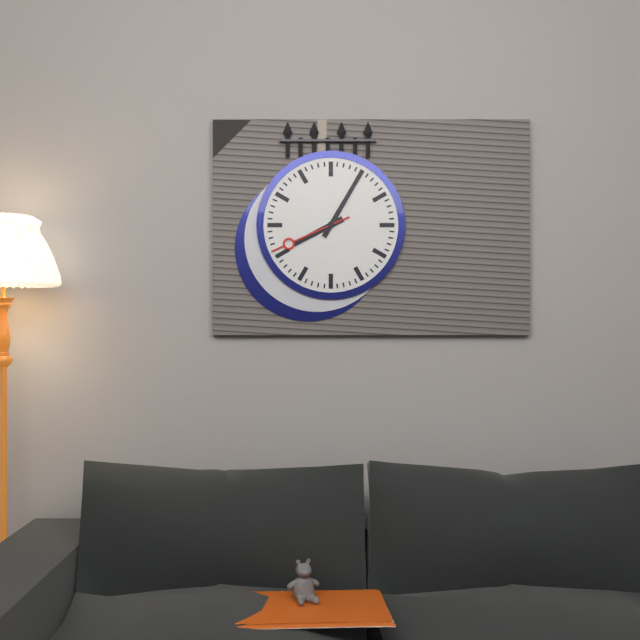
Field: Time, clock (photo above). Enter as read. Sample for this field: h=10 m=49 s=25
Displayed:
h=8 m=5 s=41
